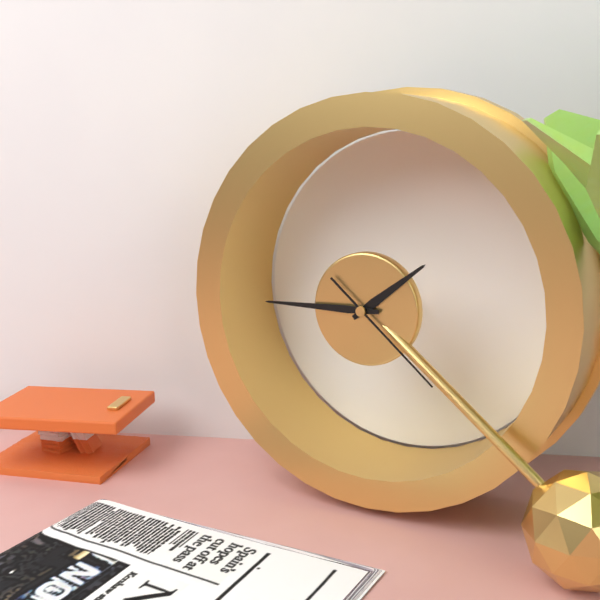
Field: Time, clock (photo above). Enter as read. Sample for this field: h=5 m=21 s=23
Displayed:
h=1 m=45 s=22
